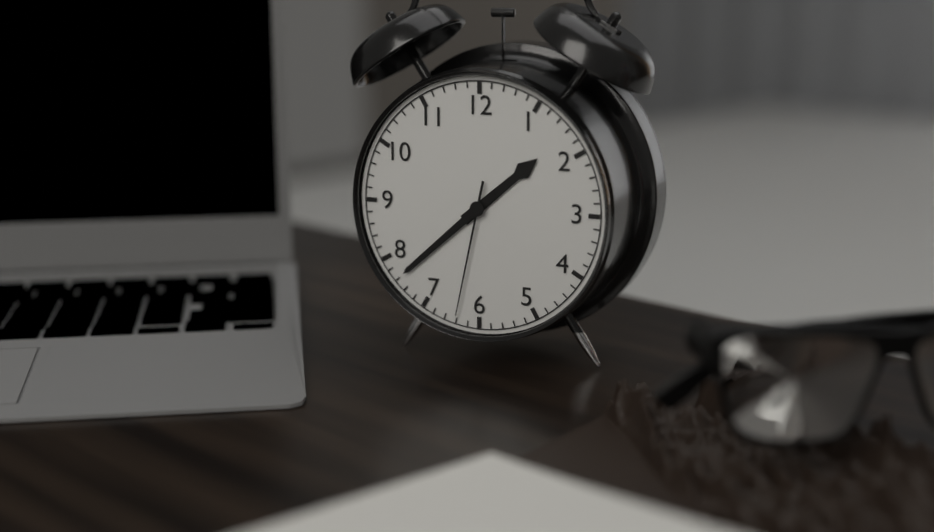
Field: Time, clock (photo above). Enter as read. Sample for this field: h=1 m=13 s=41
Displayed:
h=1 m=38 s=32
